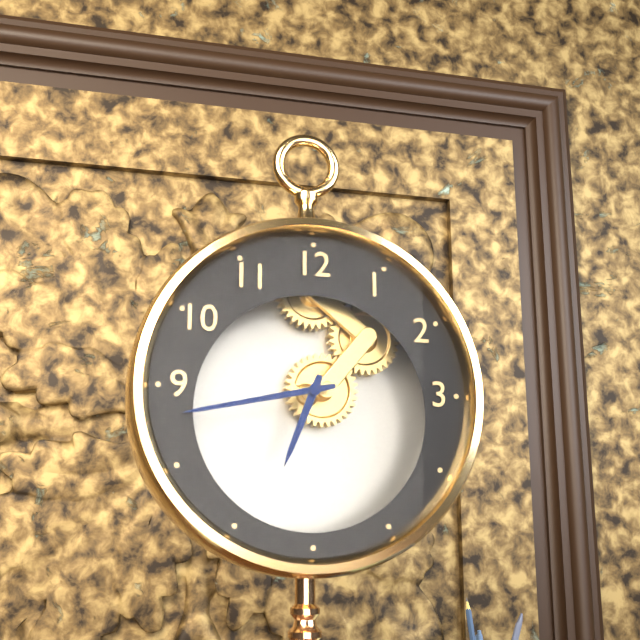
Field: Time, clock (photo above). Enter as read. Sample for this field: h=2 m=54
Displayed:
h=6 m=43
